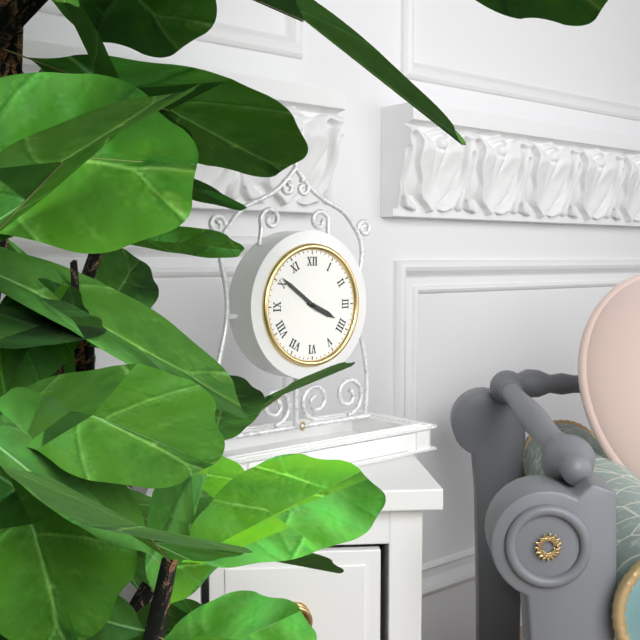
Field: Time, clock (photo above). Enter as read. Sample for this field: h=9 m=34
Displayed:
h=3 m=51
